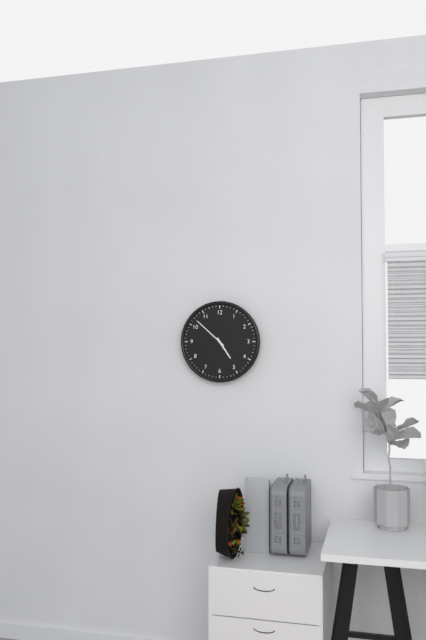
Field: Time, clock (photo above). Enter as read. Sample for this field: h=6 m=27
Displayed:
h=4 m=52
